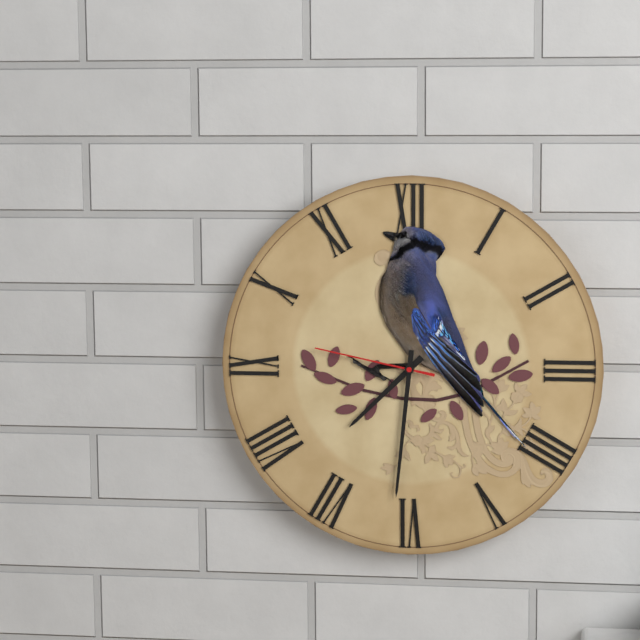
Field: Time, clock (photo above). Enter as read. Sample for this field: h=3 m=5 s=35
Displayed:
h=7 m=31 s=47
